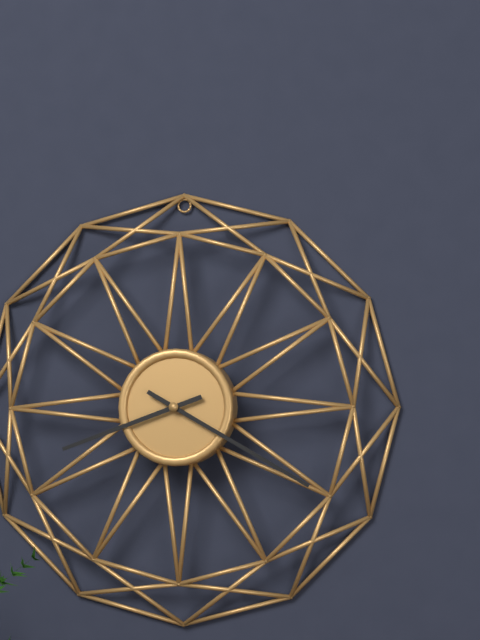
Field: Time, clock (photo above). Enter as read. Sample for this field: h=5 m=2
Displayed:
h=8 m=20
